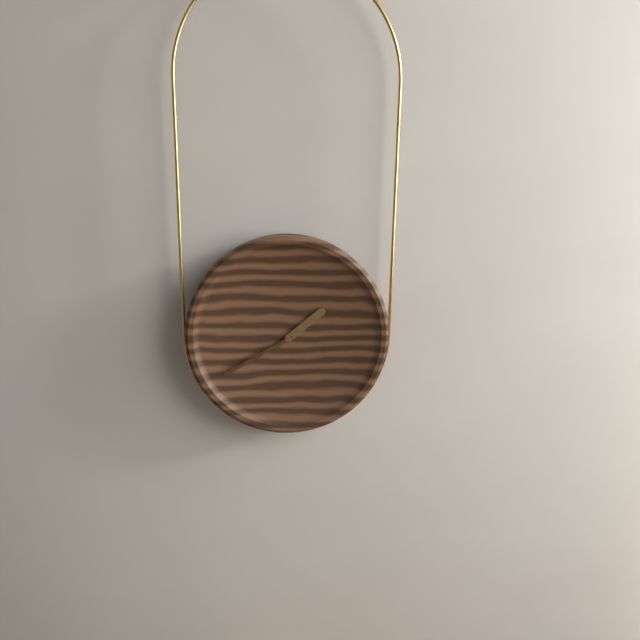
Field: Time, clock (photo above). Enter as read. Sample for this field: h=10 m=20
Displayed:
h=1 m=40
